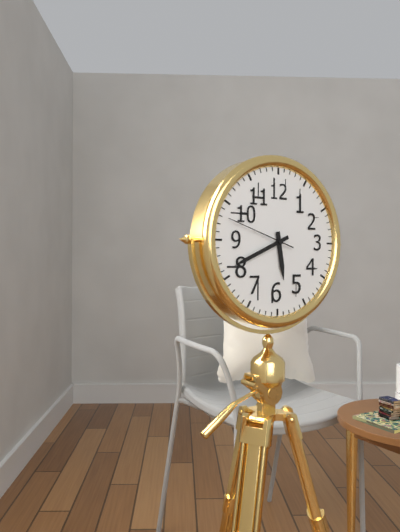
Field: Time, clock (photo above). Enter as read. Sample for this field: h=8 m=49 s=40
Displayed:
h=5 m=41 s=48
